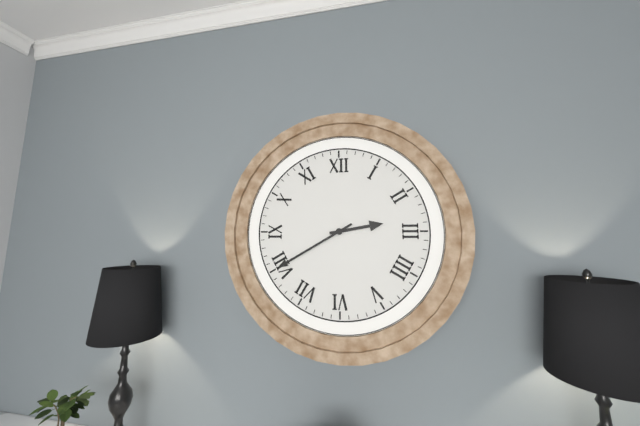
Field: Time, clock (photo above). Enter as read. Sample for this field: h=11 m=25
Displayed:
h=2 m=40
